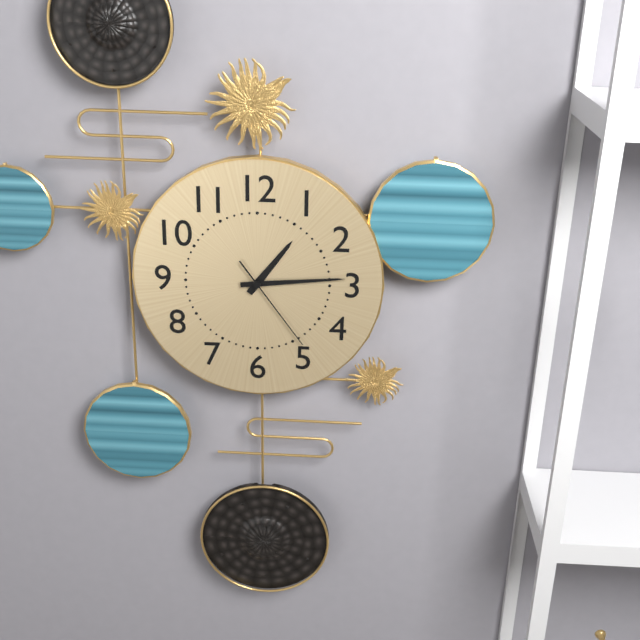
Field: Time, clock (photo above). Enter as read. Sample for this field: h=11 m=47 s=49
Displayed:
h=1 m=14 s=24
